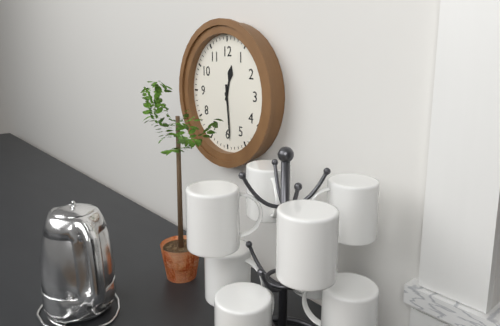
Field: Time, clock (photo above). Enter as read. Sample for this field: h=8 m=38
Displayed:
h=12 m=29
